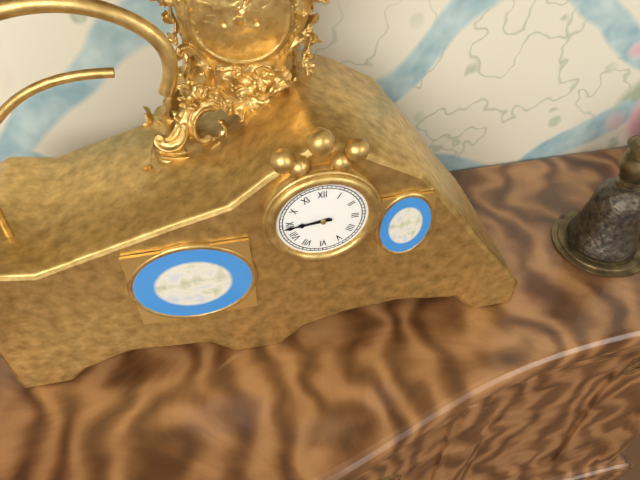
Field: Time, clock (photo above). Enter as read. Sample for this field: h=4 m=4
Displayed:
h=8 m=44
